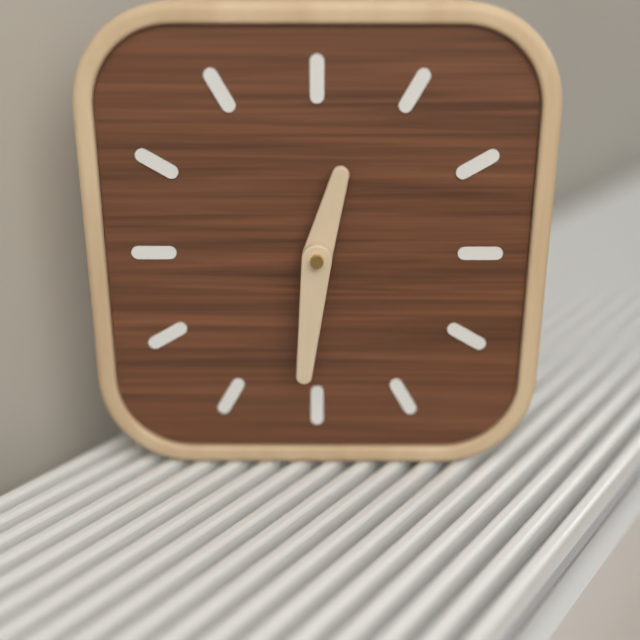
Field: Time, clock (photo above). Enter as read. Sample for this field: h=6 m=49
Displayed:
h=12 m=31
